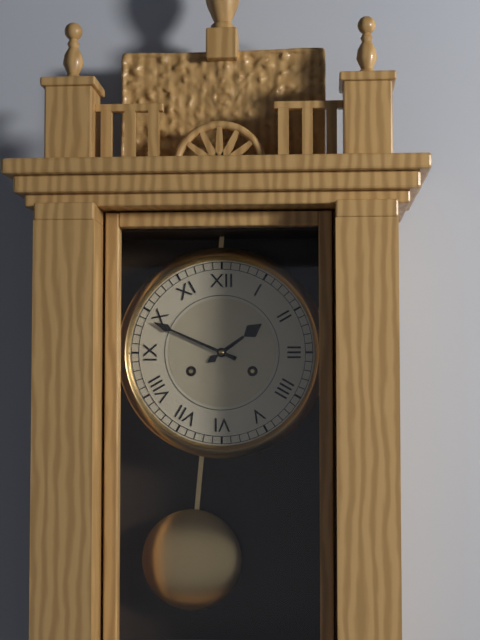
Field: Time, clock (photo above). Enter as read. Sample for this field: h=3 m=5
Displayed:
h=1 m=49
